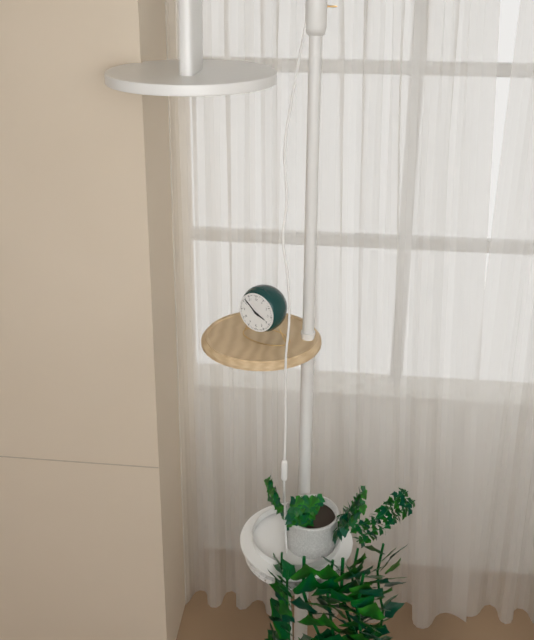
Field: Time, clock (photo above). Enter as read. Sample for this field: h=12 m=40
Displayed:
h=3 m=52
